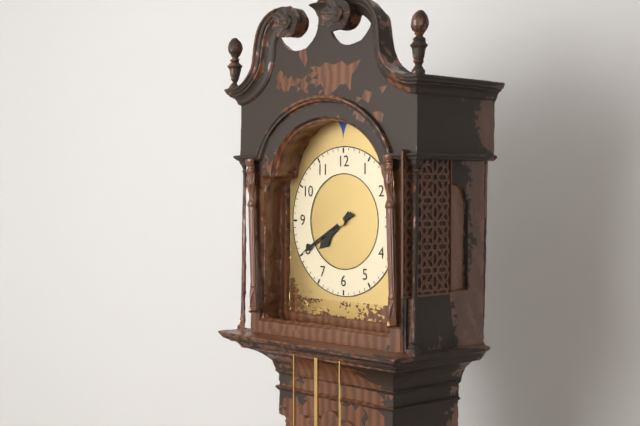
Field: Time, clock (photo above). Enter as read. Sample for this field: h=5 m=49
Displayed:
h=7 m=40
